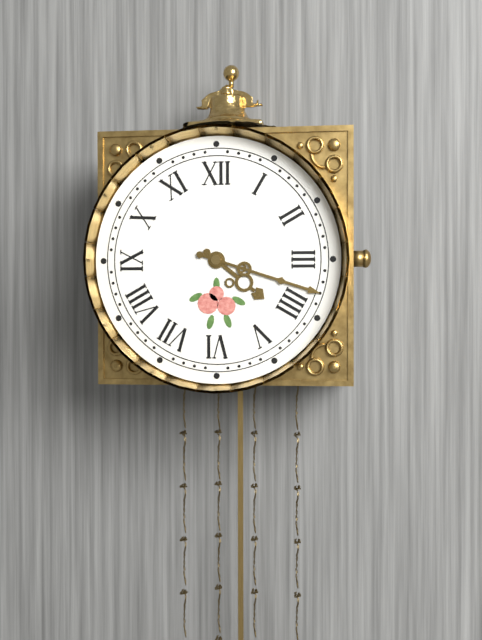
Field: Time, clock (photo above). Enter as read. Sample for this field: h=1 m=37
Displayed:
h=4 m=18
